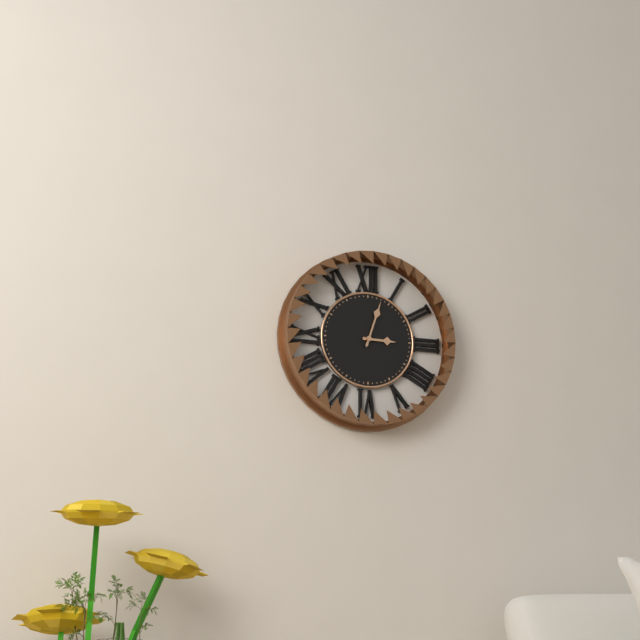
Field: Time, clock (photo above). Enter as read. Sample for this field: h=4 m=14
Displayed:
h=3 m=3
